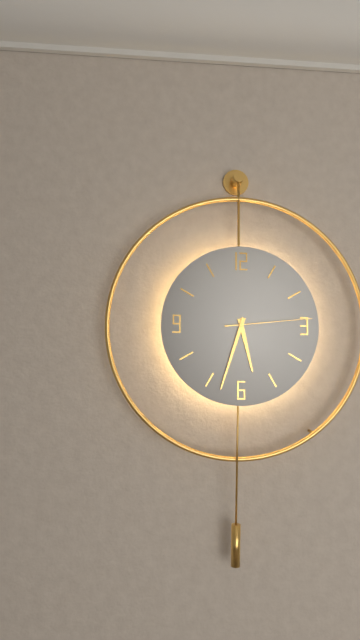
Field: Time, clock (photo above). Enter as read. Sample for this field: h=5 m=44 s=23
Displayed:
h=5 m=33 s=14
